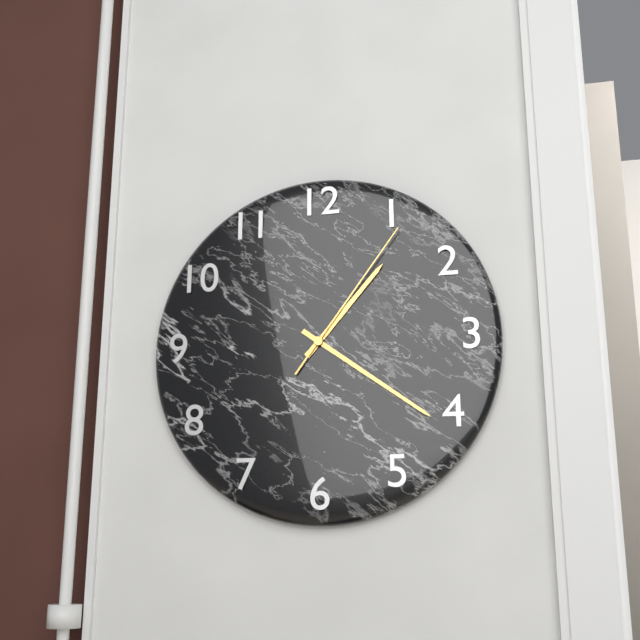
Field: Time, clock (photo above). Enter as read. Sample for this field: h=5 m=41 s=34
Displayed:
h=1 m=21 s=6
